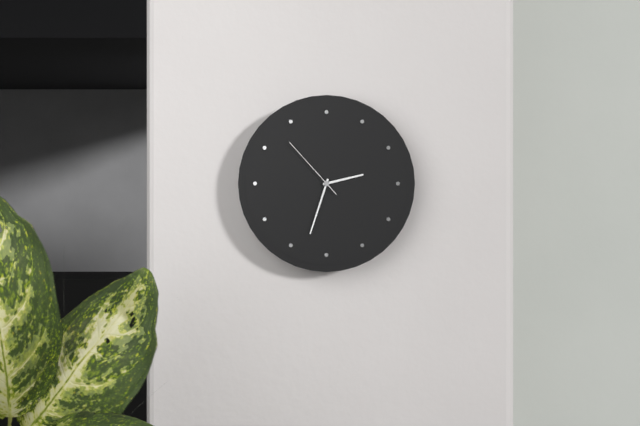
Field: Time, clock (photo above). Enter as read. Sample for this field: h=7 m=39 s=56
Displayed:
h=2 m=33 s=53
